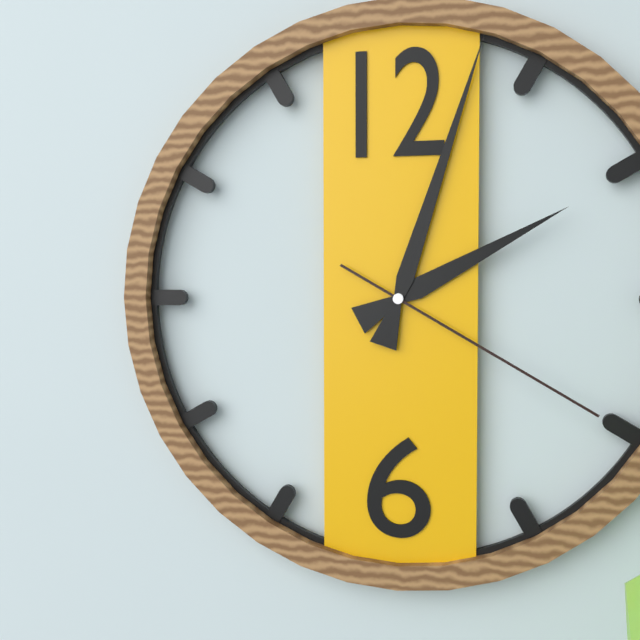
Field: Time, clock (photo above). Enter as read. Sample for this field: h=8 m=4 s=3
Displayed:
h=2 m=3 s=20
